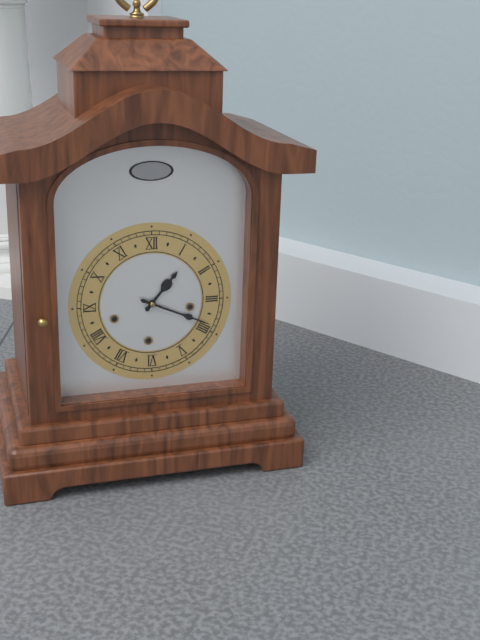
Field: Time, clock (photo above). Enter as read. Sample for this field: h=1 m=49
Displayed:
h=1 m=19
